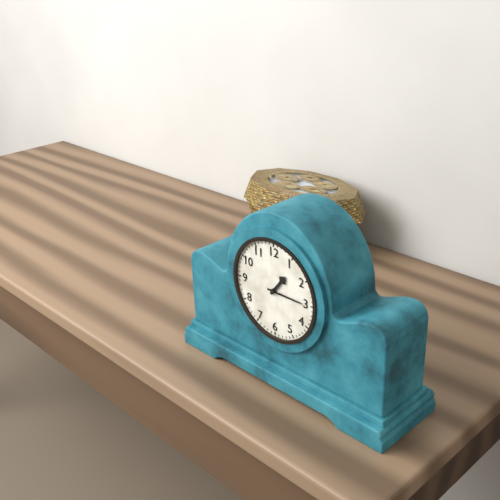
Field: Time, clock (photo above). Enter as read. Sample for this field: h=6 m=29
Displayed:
h=1 m=15
